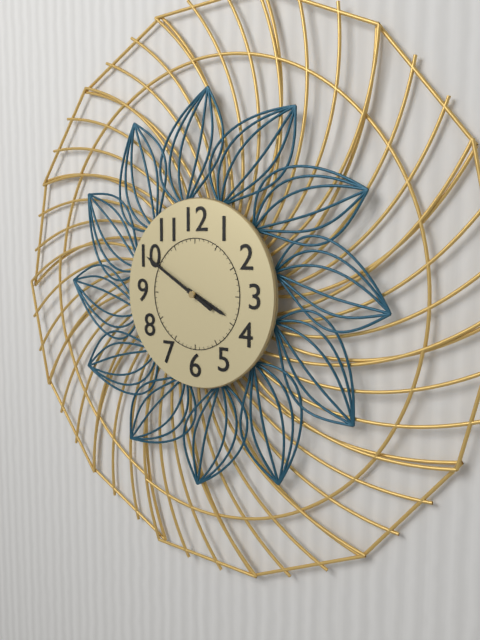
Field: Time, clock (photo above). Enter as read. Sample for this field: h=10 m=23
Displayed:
h=3 m=50
